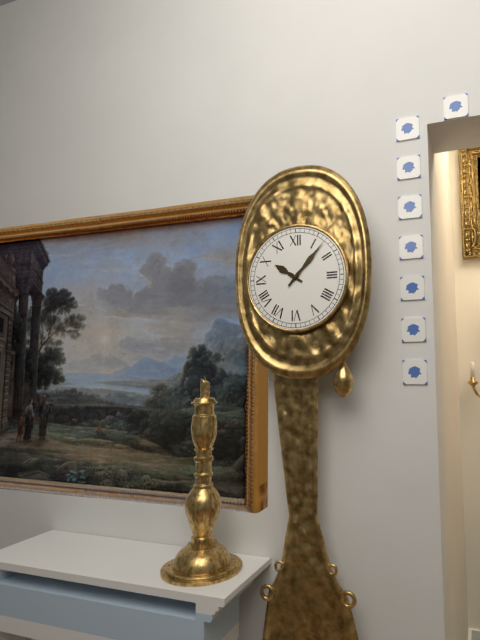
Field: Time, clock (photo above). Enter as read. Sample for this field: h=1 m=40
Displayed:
h=10 m=7
